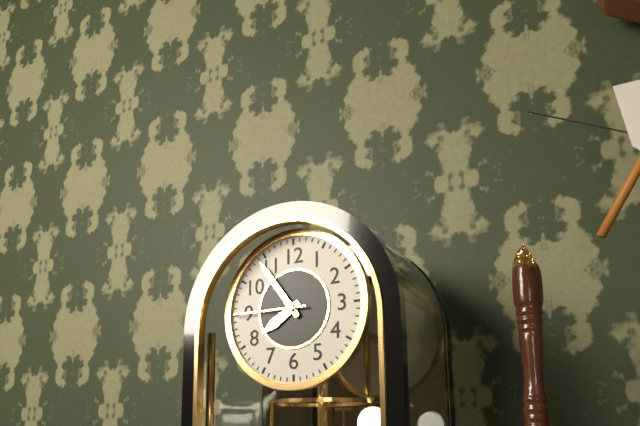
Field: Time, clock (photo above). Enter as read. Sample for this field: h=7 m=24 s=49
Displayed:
h=7 m=54 s=45
